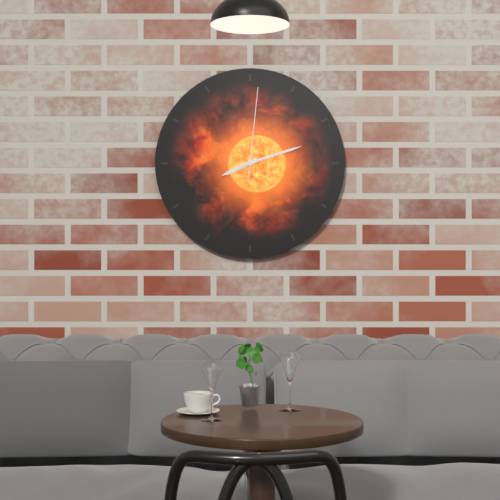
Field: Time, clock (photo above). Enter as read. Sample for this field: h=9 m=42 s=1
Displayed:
h=8 m=12 s=1
